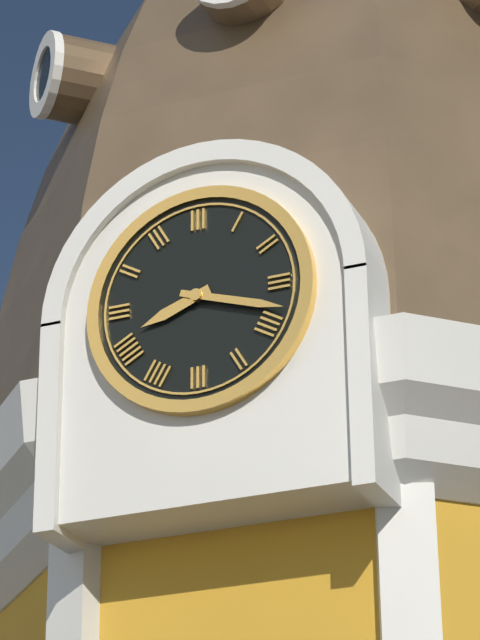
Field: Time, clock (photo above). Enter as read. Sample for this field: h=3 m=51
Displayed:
h=8 m=18
